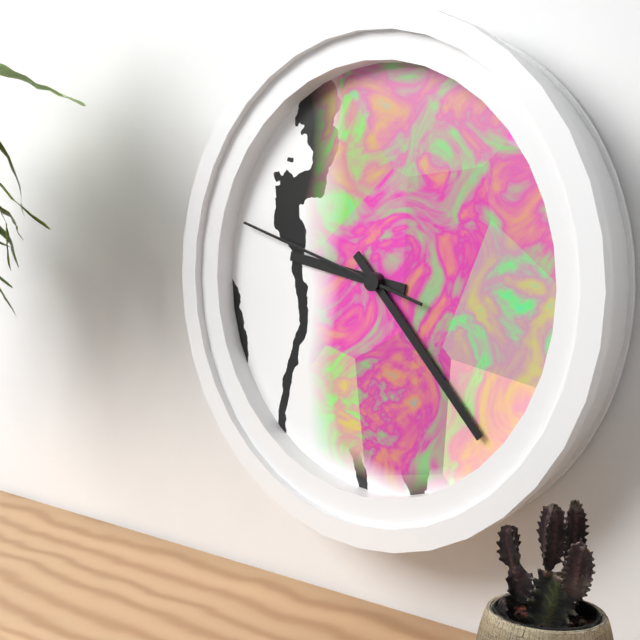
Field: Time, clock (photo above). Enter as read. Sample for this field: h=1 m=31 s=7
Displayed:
h=9 m=23 s=48
